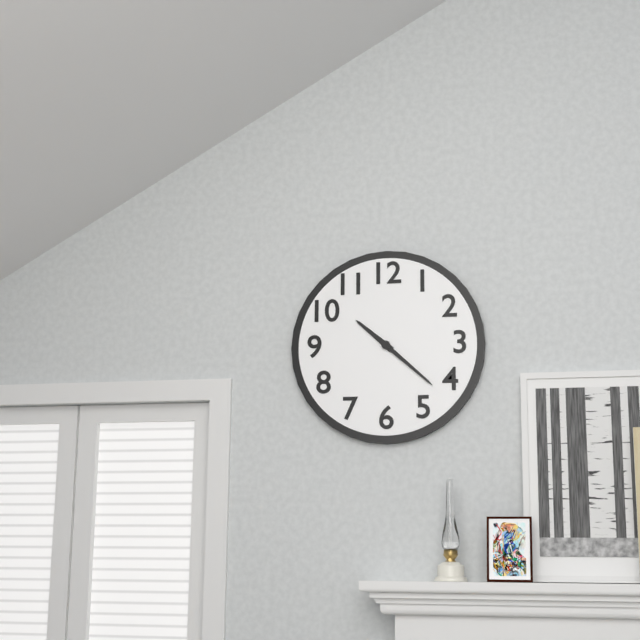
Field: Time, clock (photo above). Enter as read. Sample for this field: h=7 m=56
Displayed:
h=10 m=22
